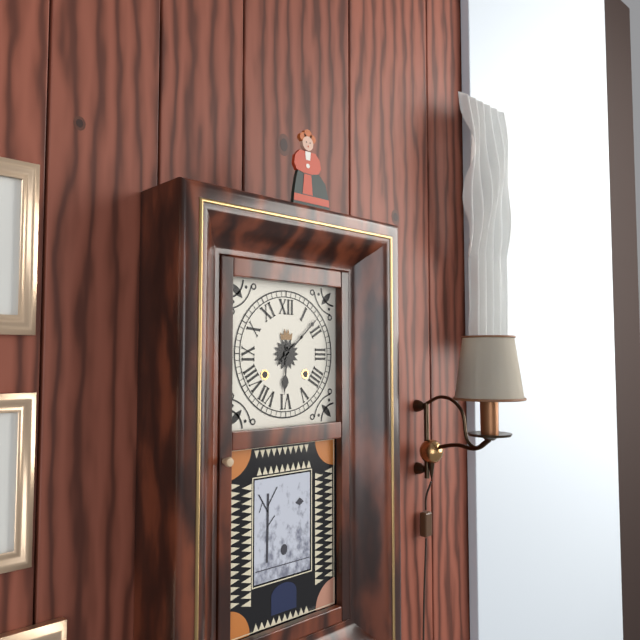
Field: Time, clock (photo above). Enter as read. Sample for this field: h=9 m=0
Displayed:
h=6 m=8
